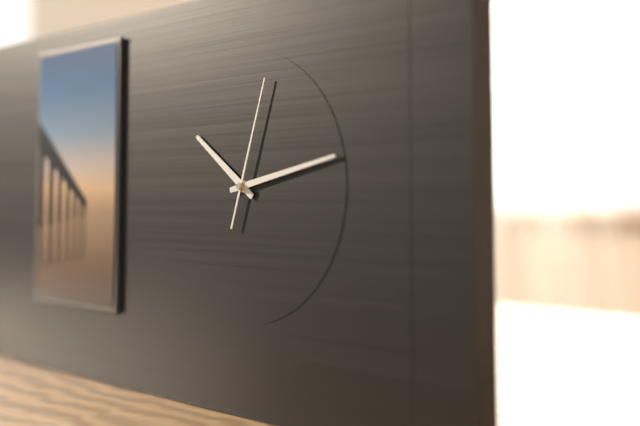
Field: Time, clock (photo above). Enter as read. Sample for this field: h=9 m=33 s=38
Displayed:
h=10 m=13 s=3
